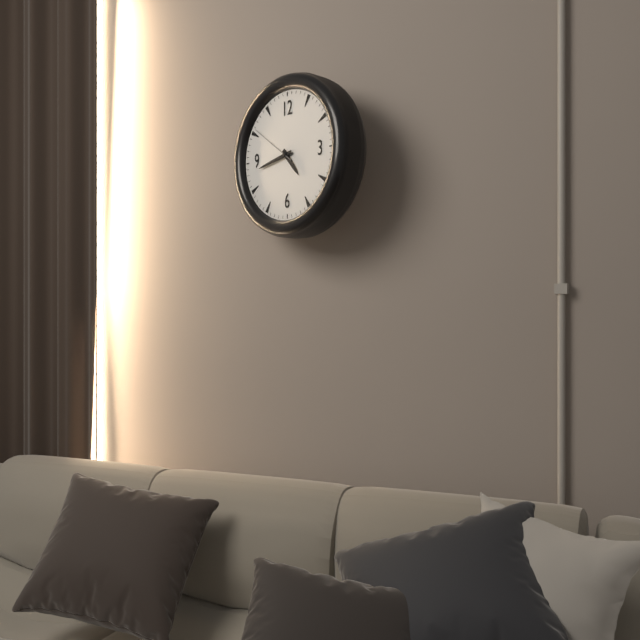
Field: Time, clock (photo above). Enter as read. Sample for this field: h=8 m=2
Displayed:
h=4 m=43
